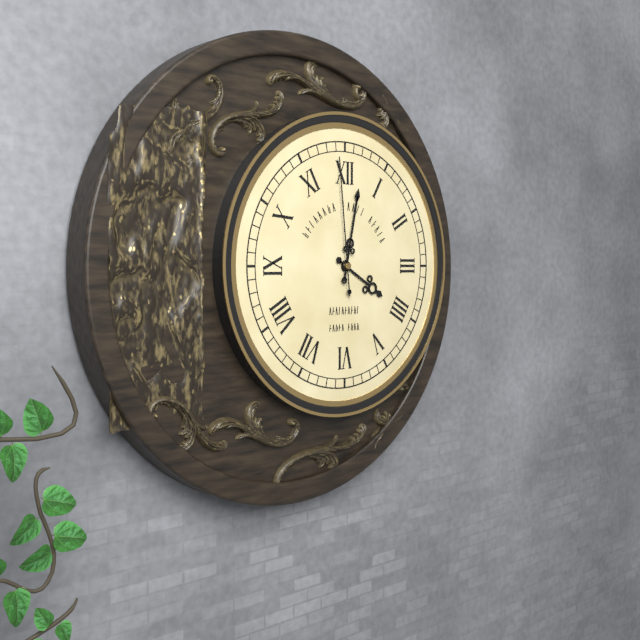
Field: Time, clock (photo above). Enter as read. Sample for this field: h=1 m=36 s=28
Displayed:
h=4 m=2 s=59
